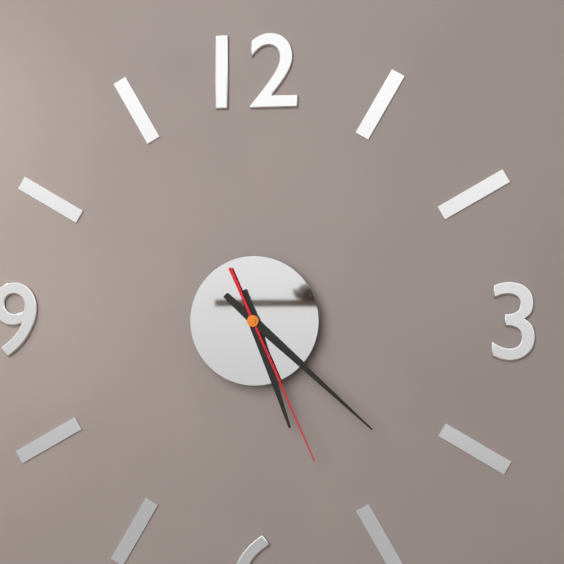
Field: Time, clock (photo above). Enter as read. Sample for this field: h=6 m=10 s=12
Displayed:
h=5 m=22 s=26
